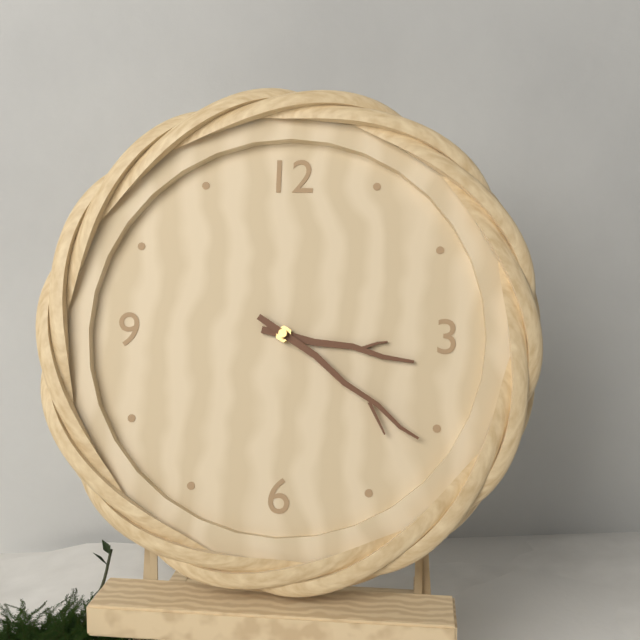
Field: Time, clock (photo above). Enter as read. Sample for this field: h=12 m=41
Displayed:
h=3 m=21
